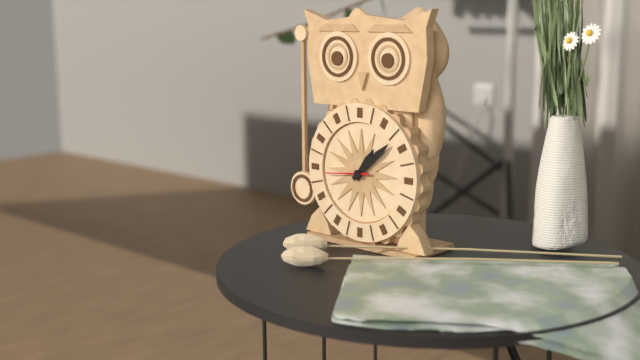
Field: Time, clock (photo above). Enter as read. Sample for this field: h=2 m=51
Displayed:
h=1 m=8
